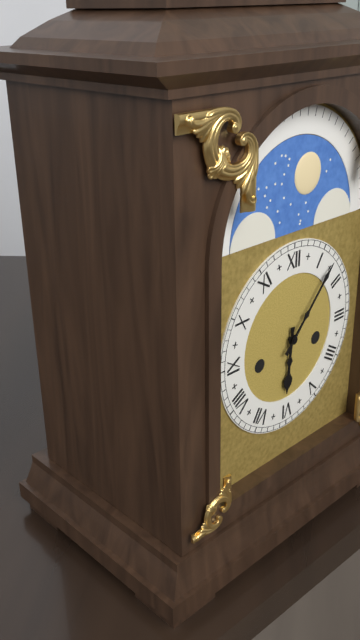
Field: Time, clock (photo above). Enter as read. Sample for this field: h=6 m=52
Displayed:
h=6 m=7
